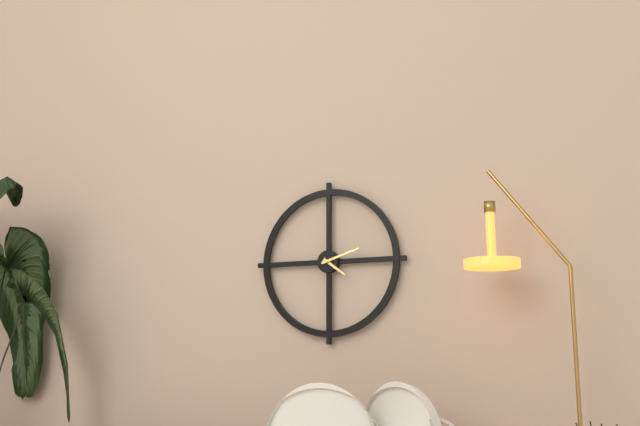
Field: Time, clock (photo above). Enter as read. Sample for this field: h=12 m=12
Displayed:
h=4 m=12
